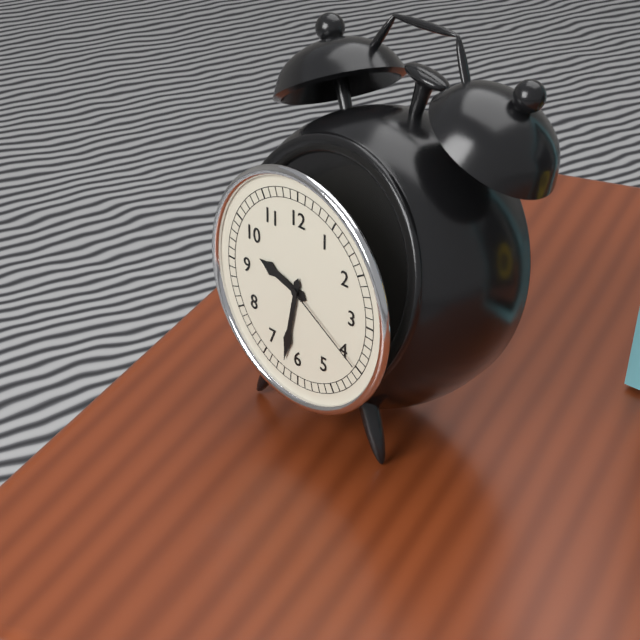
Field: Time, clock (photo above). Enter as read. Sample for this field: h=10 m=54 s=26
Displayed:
h=9 m=32 s=20
